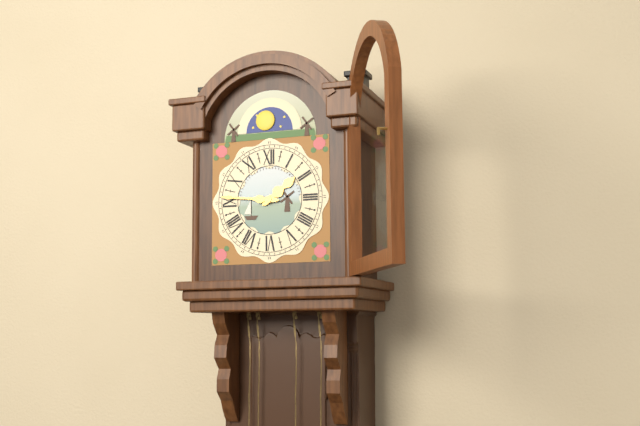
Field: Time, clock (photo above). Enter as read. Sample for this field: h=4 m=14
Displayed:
h=1 m=46
